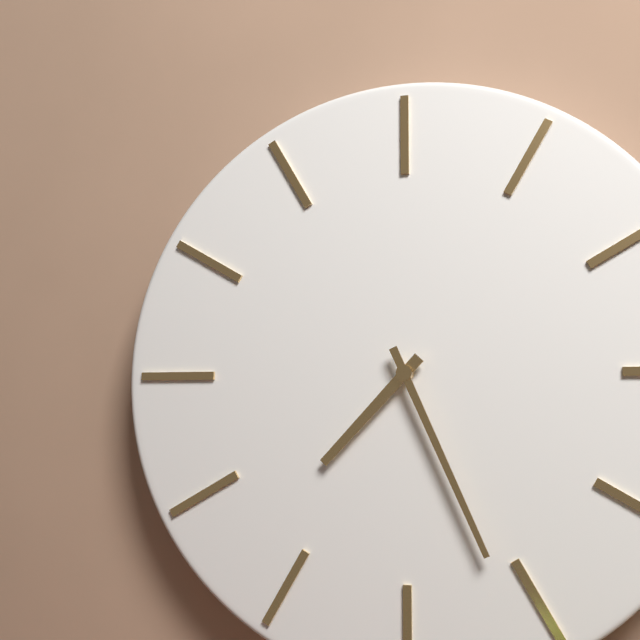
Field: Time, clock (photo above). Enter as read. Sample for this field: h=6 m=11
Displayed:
h=7 m=26
